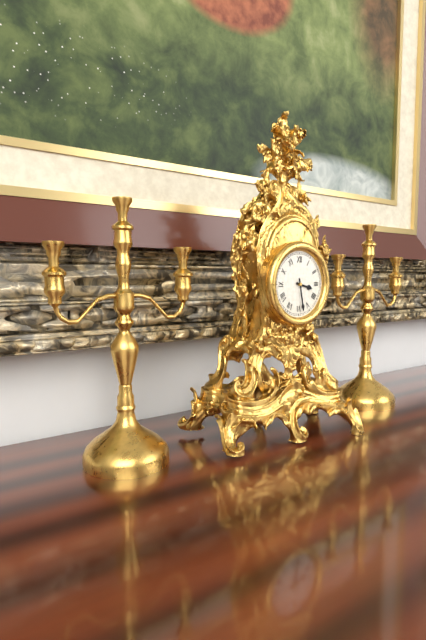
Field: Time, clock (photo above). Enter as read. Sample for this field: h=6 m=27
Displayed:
h=3 m=28
